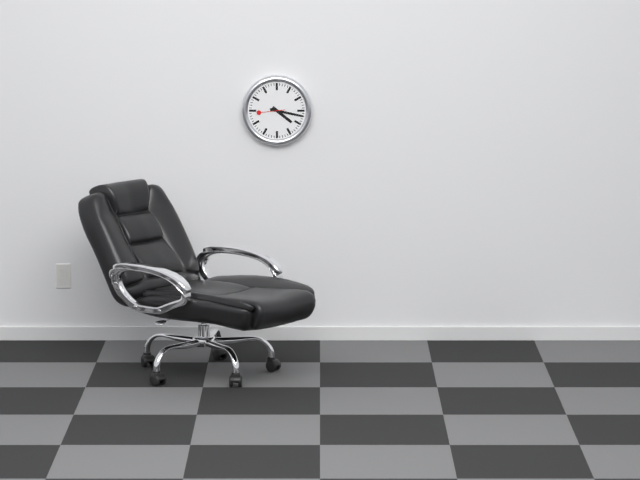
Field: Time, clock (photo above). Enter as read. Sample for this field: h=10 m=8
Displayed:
h=4 m=17
